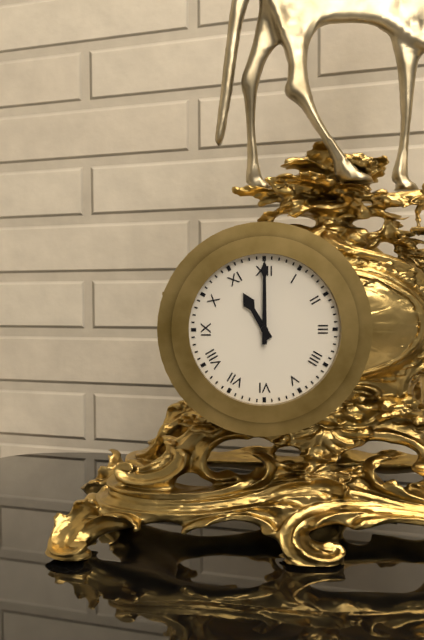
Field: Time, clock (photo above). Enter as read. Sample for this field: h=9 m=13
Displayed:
h=11 m=0
